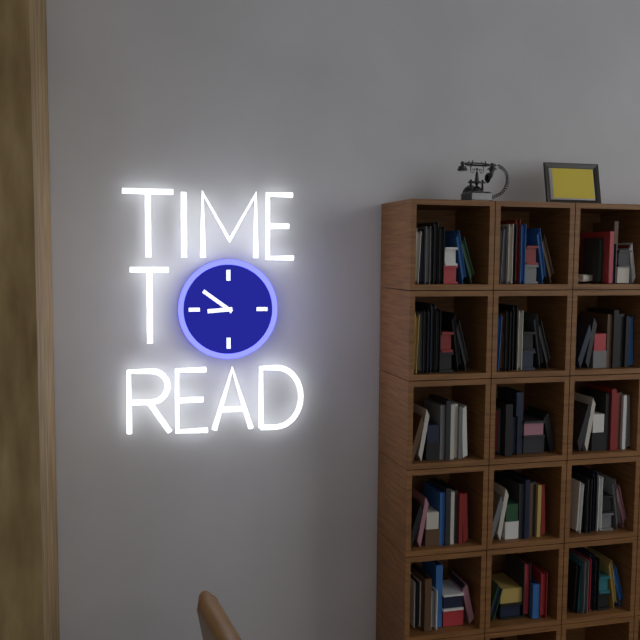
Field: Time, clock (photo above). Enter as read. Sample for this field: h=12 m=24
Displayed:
h=8 m=51
